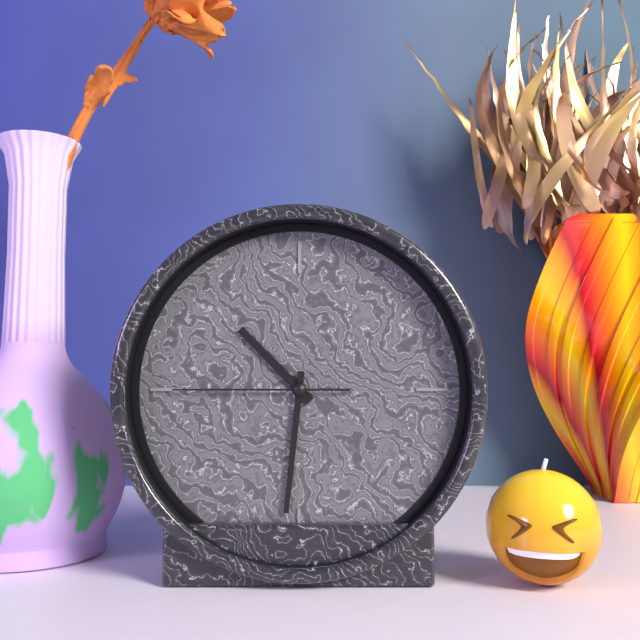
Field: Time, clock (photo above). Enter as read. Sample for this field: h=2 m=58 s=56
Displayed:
h=10 m=31 s=45
